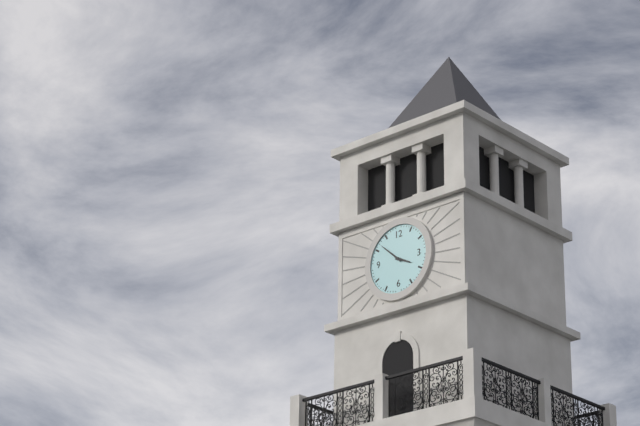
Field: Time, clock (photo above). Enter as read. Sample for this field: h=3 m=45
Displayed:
h=3 m=52
